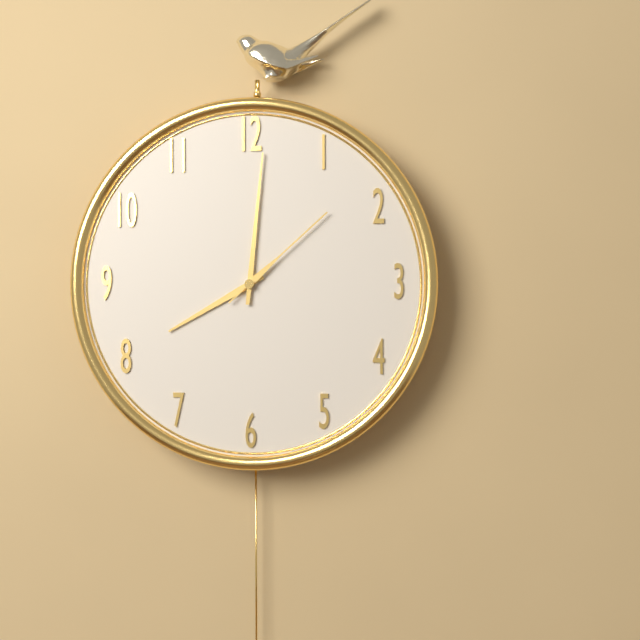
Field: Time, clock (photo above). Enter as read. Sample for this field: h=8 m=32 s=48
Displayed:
h=8 m=1 s=8
